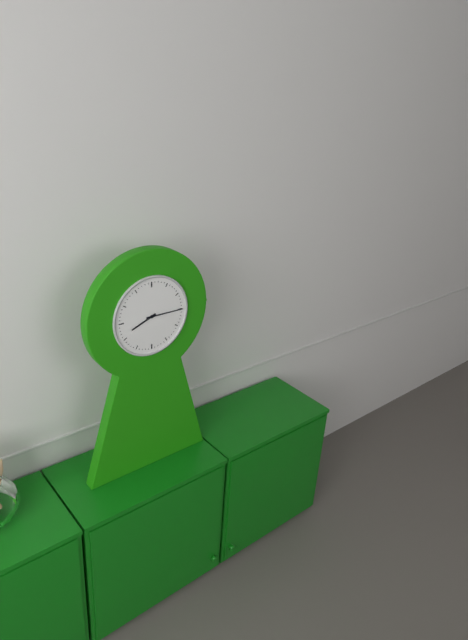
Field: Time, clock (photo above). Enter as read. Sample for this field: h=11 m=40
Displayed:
h=8 m=15
